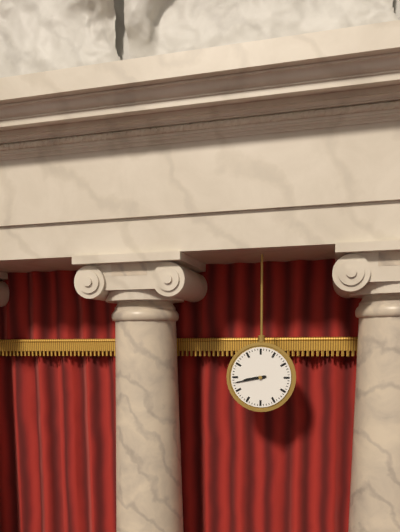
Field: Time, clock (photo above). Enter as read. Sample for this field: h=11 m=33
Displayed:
h=8 m=43
